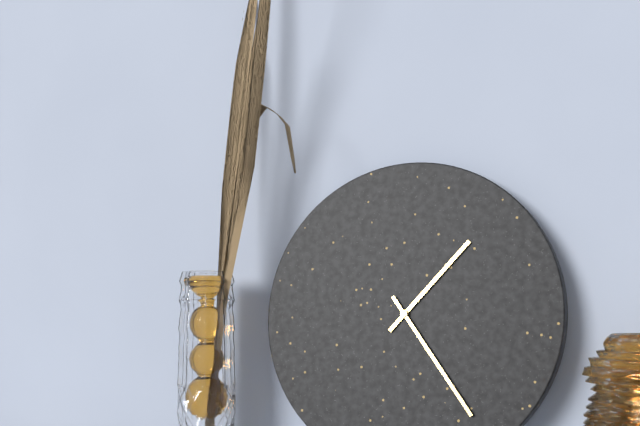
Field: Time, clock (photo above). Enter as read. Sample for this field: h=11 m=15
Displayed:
h=1 m=24
